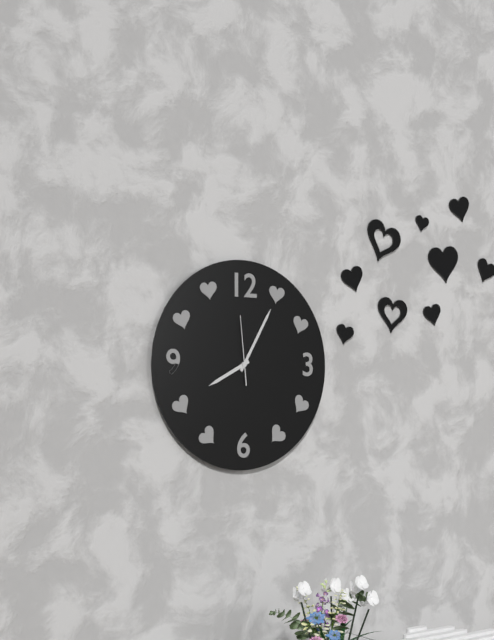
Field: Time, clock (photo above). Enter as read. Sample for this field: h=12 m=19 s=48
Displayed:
h=8 m=5 s=59
